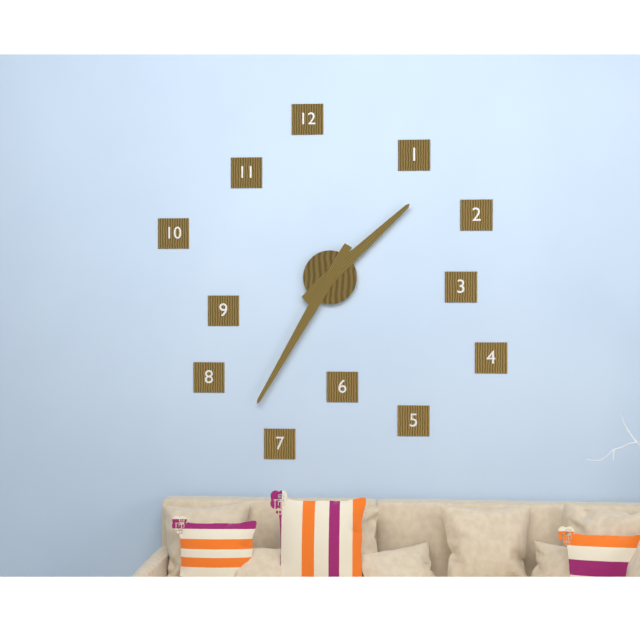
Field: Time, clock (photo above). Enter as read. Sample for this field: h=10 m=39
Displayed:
h=1 m=35
